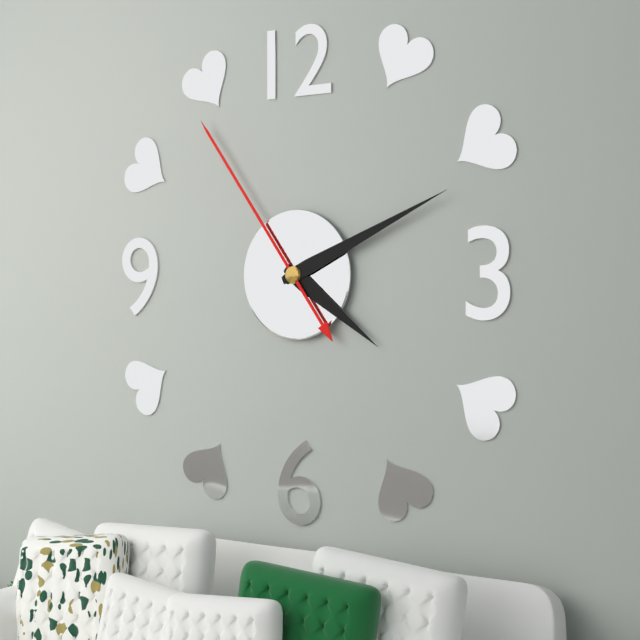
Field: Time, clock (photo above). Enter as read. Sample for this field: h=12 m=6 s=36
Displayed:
h=4 m=11 s=54
